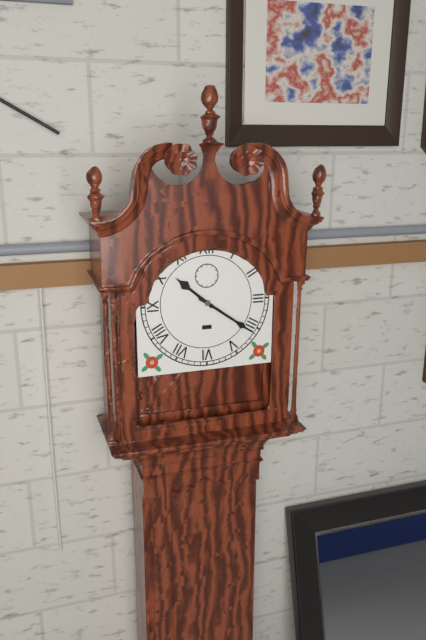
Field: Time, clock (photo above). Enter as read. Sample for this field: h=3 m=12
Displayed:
h=10 m=21
